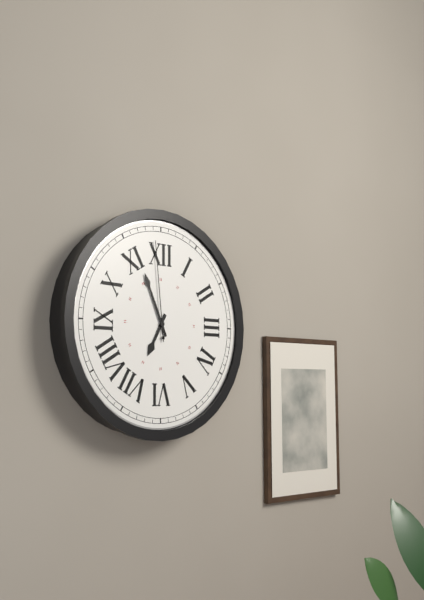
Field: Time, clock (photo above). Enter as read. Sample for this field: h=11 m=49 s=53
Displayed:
h=6 m=56 s=59
